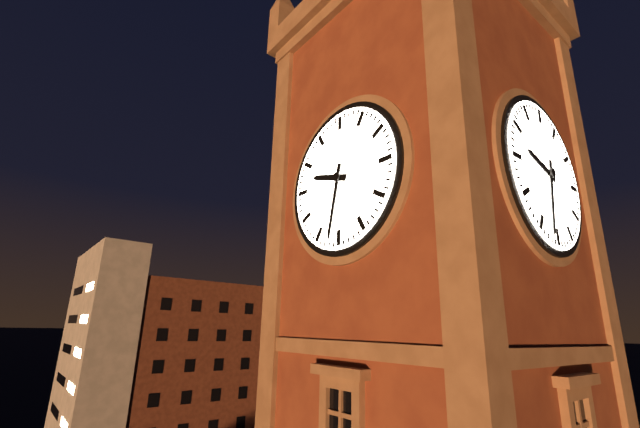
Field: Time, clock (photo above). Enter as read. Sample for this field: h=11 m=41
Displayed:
h=9 m=32
